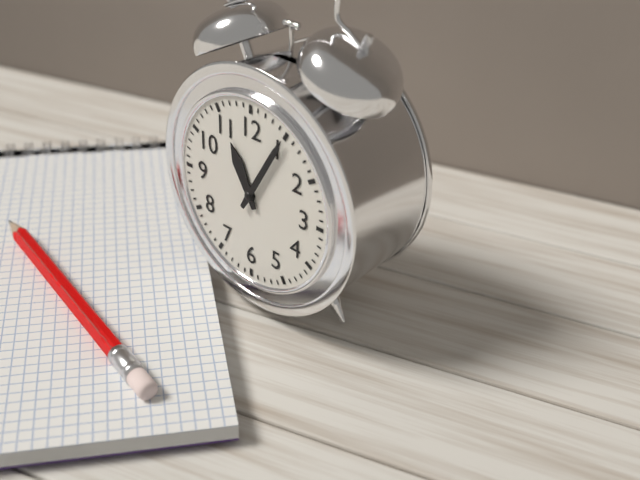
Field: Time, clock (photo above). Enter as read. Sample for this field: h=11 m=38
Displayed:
h=11 m=5
